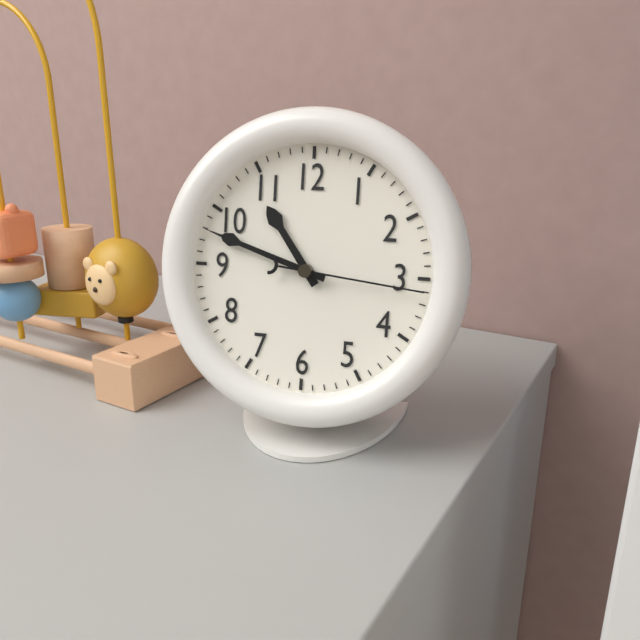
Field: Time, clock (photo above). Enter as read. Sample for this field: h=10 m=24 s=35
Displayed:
h=10 m=48 s=16
